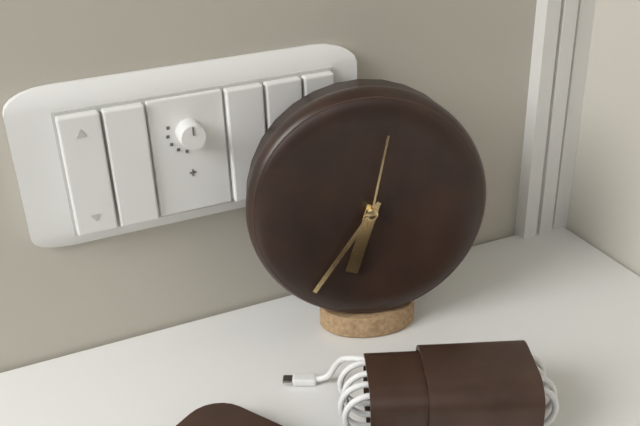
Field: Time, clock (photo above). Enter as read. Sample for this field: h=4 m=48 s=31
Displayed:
h=6 m=36 s=2
